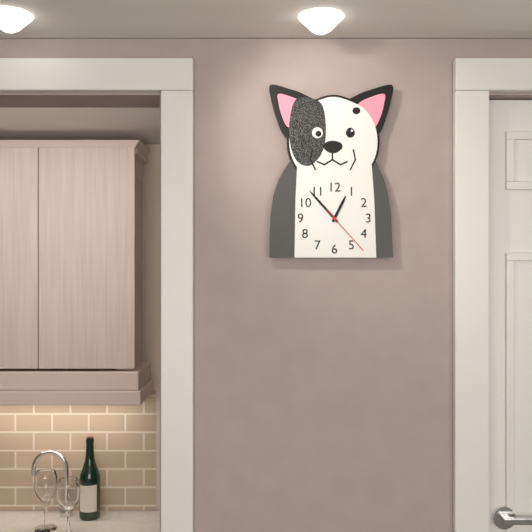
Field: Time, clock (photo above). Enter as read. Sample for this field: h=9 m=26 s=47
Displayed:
h=12 m=53 s=23
